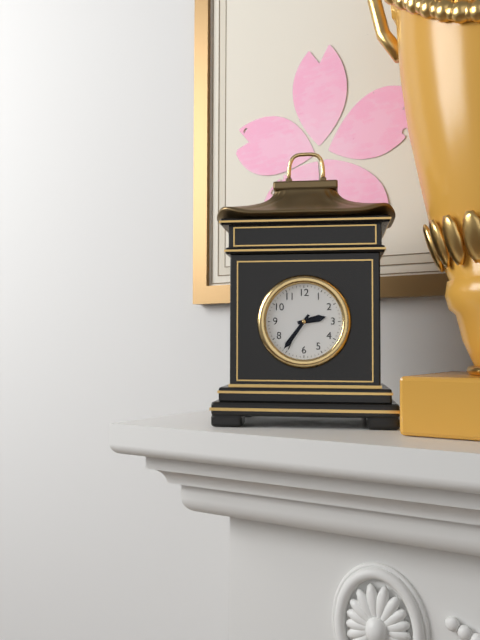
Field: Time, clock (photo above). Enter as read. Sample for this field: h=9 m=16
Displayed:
h=2 m=36
